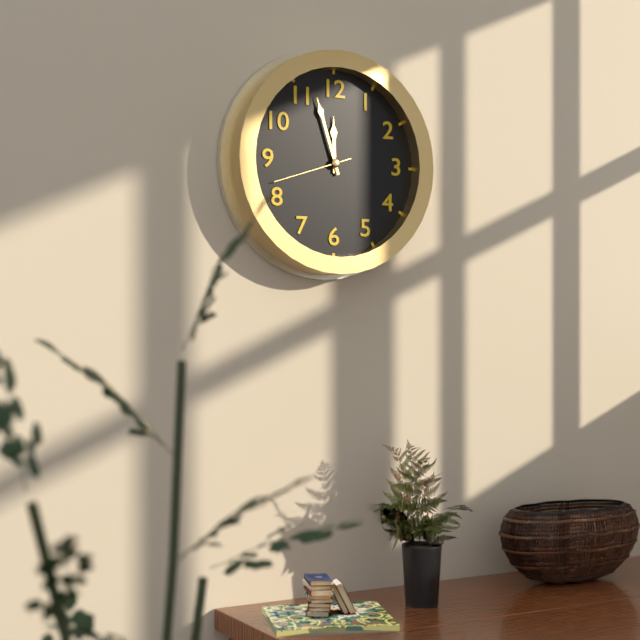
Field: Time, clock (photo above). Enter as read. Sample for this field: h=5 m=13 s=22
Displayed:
h=11 m=57 s=42
